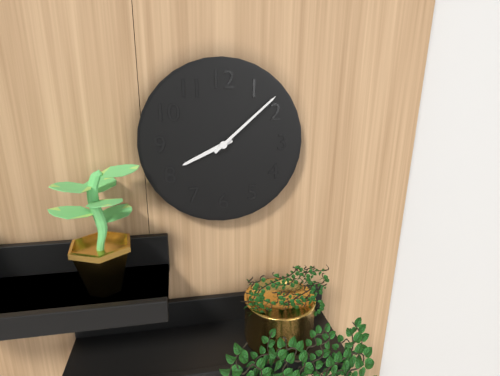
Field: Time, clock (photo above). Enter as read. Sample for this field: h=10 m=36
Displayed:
h=8 m=8
